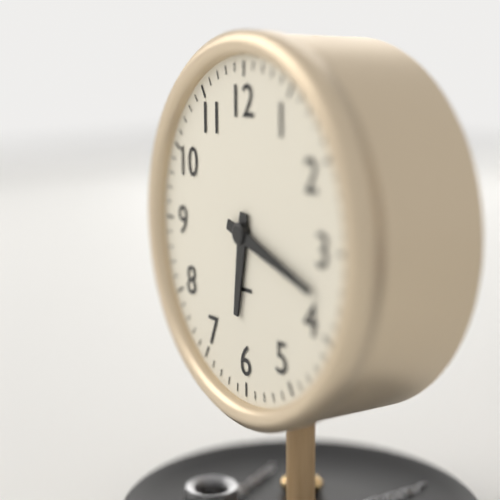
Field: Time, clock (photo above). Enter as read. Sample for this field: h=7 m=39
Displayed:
h=6 m=18
